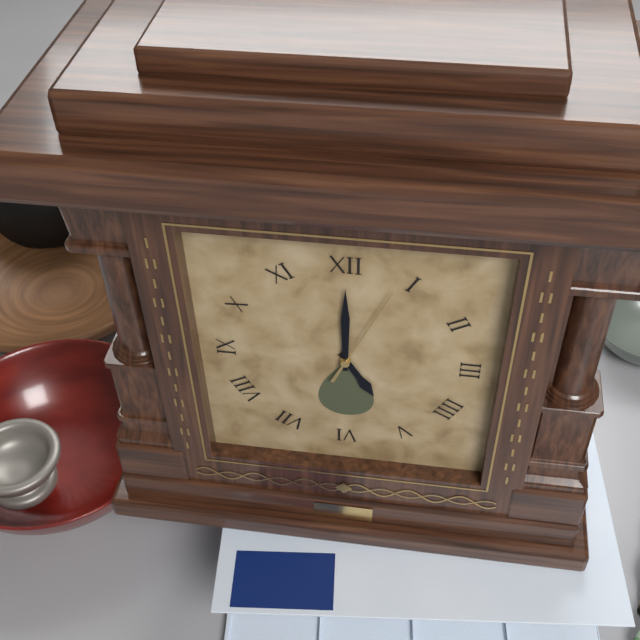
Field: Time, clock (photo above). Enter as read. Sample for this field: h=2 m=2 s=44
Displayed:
h=5 m=0 s=4
